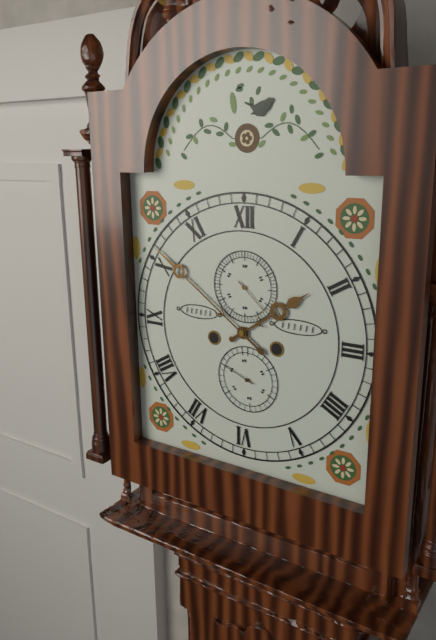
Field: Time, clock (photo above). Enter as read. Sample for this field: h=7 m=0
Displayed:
h=1 m=51
